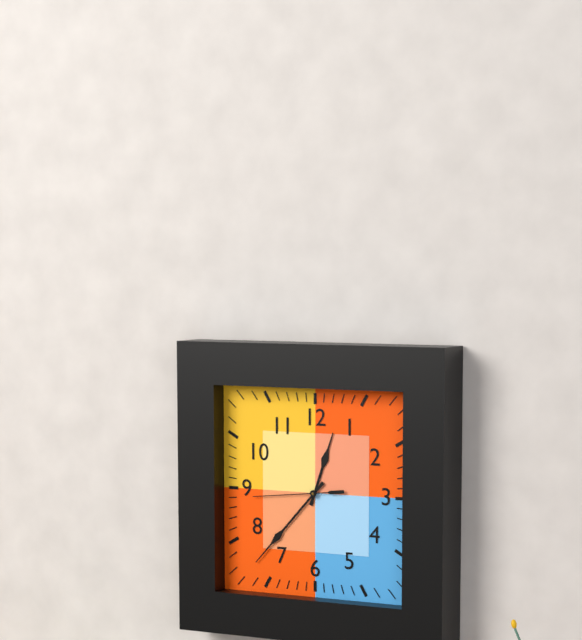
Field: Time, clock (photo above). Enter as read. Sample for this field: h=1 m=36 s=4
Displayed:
h=12 m=37 s=44
